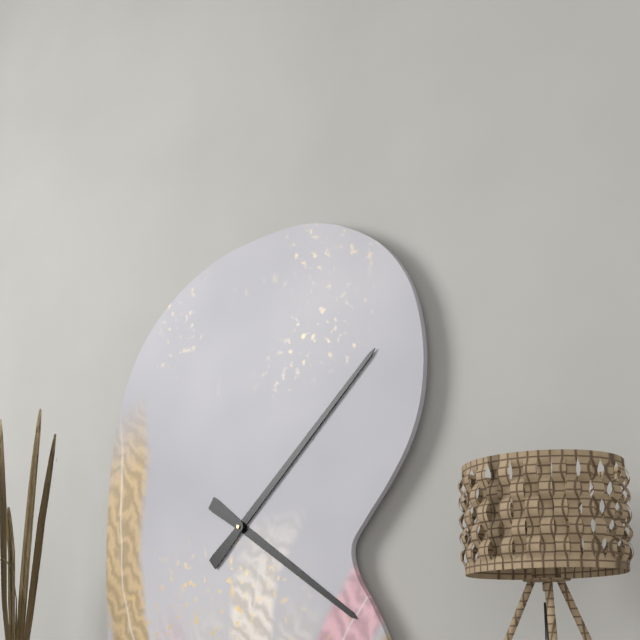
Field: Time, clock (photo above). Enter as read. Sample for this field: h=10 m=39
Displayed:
h=4 m=8
